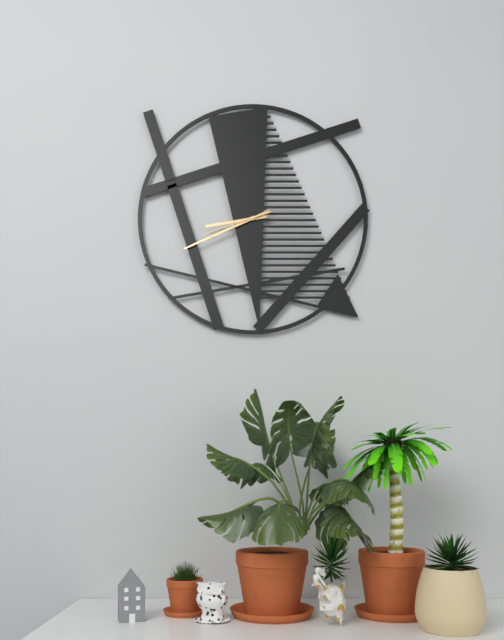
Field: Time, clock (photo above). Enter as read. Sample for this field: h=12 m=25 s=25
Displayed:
h=8 m=41 s=42
